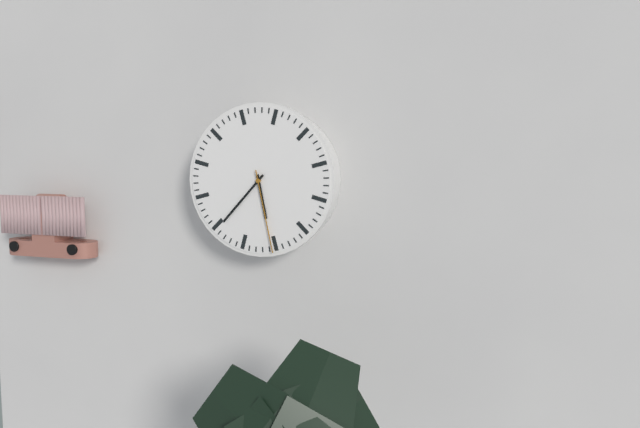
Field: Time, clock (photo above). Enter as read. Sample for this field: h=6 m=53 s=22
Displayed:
h=5 m=37 s=28
